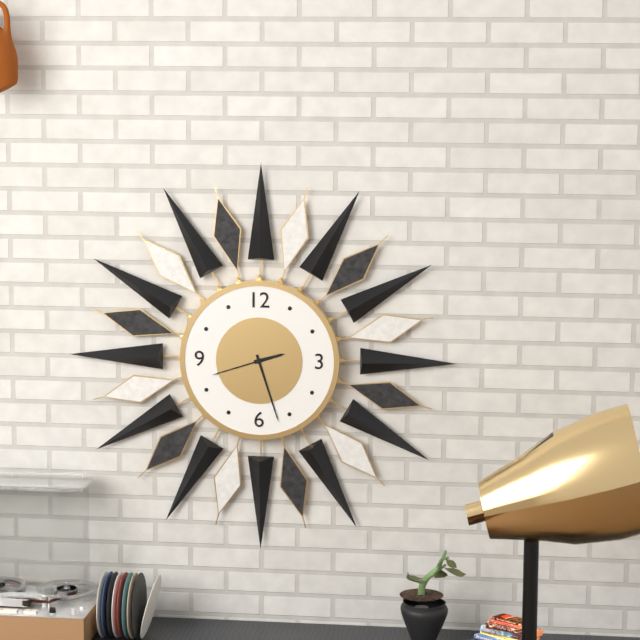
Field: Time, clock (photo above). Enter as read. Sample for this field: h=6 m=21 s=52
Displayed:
h=2 m=27 s=42
